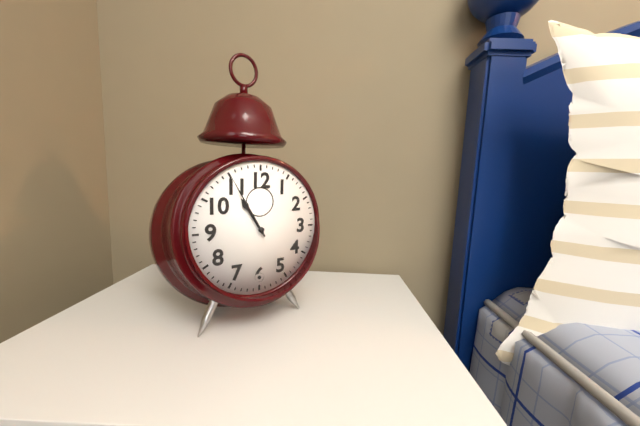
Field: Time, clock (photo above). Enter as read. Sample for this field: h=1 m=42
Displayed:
h=10 m=55
